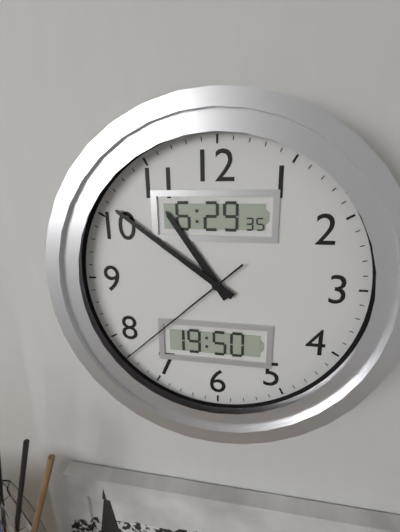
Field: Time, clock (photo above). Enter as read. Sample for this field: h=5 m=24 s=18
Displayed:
h=10 m=51 s=38
